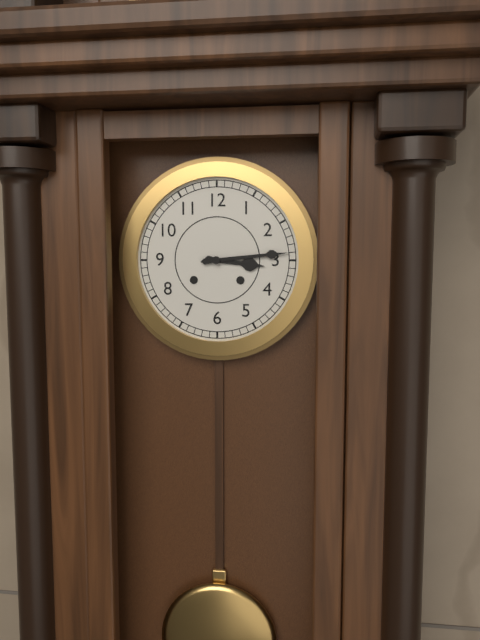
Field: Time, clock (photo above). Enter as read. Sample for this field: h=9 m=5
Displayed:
h=3 m=14
